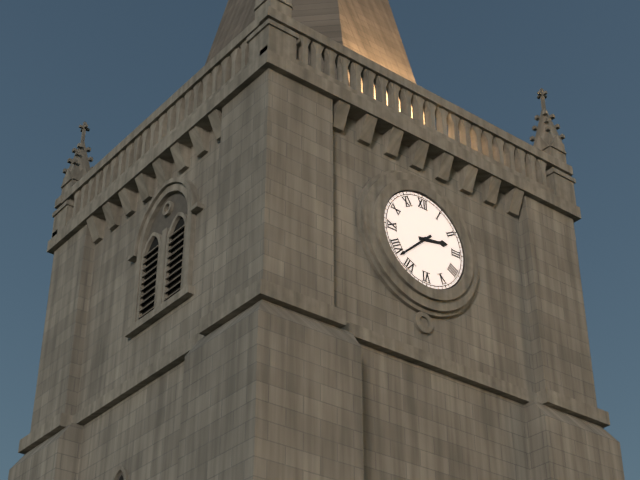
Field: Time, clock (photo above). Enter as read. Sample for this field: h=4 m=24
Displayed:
h=2 m=38
